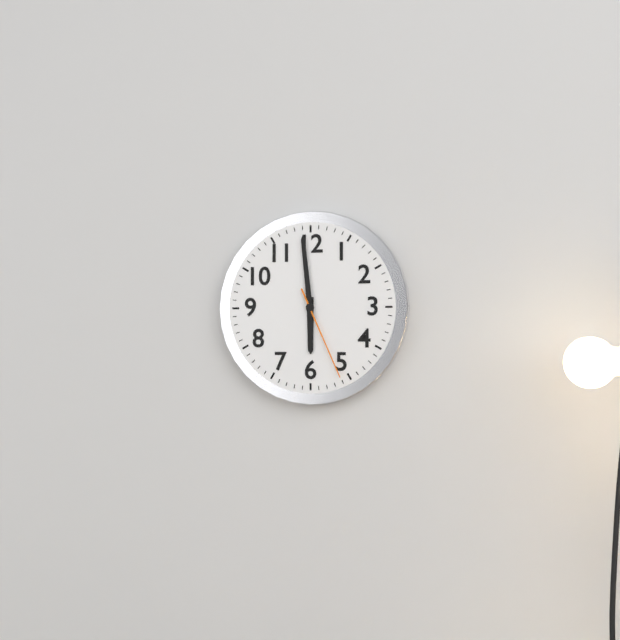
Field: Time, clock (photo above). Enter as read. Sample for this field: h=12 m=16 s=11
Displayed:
h=5 m=59 s=26
